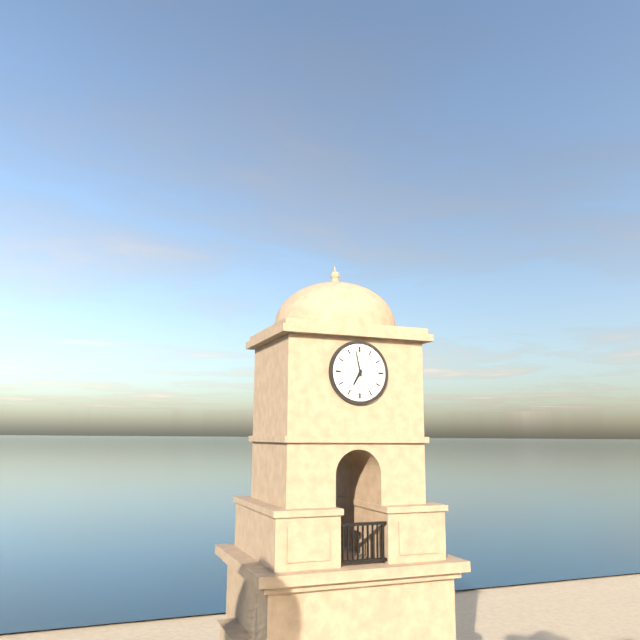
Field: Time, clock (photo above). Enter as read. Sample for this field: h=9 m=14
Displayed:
h=6 m=58
